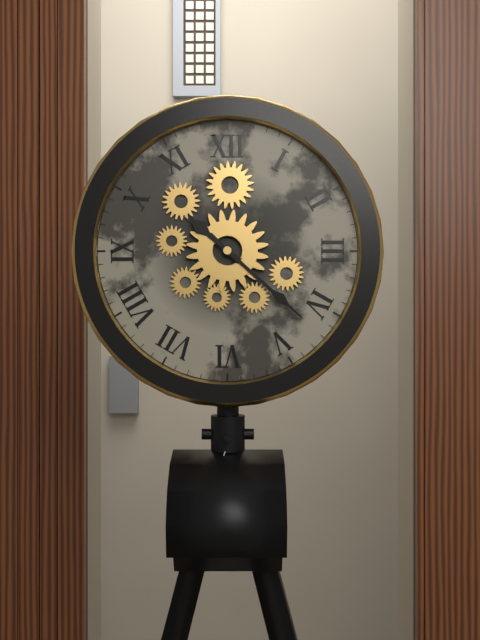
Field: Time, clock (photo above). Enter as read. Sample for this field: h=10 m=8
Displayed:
h=10 m=22
